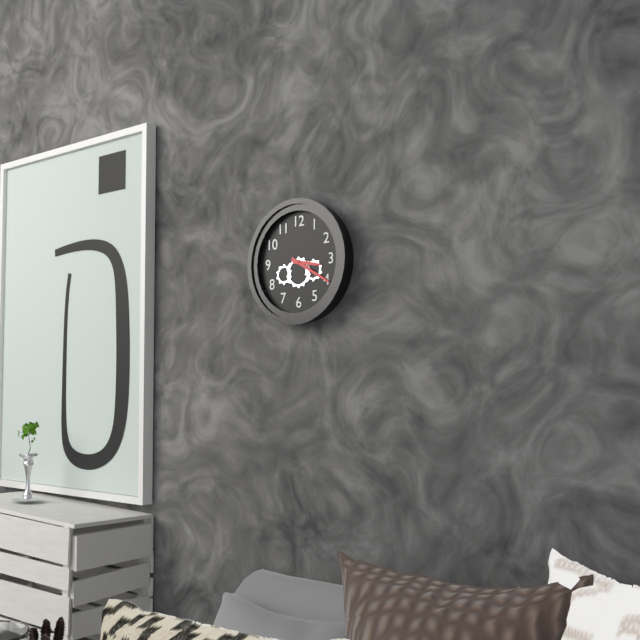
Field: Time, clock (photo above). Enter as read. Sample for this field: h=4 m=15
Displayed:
h=3 m=20
